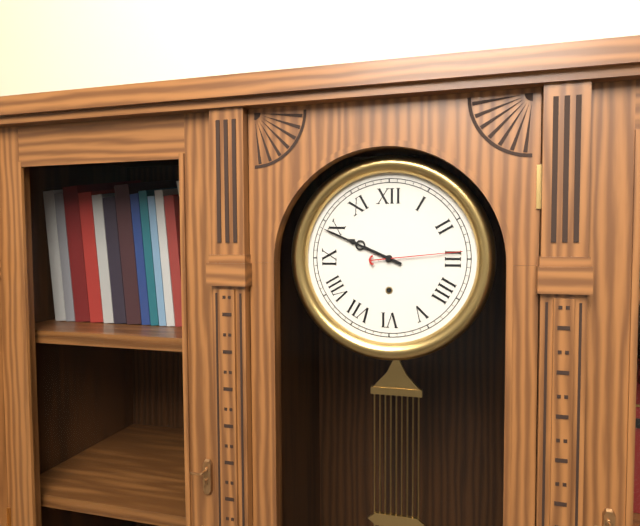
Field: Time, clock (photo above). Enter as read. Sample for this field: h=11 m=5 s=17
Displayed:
h=9 m=49 s=14
